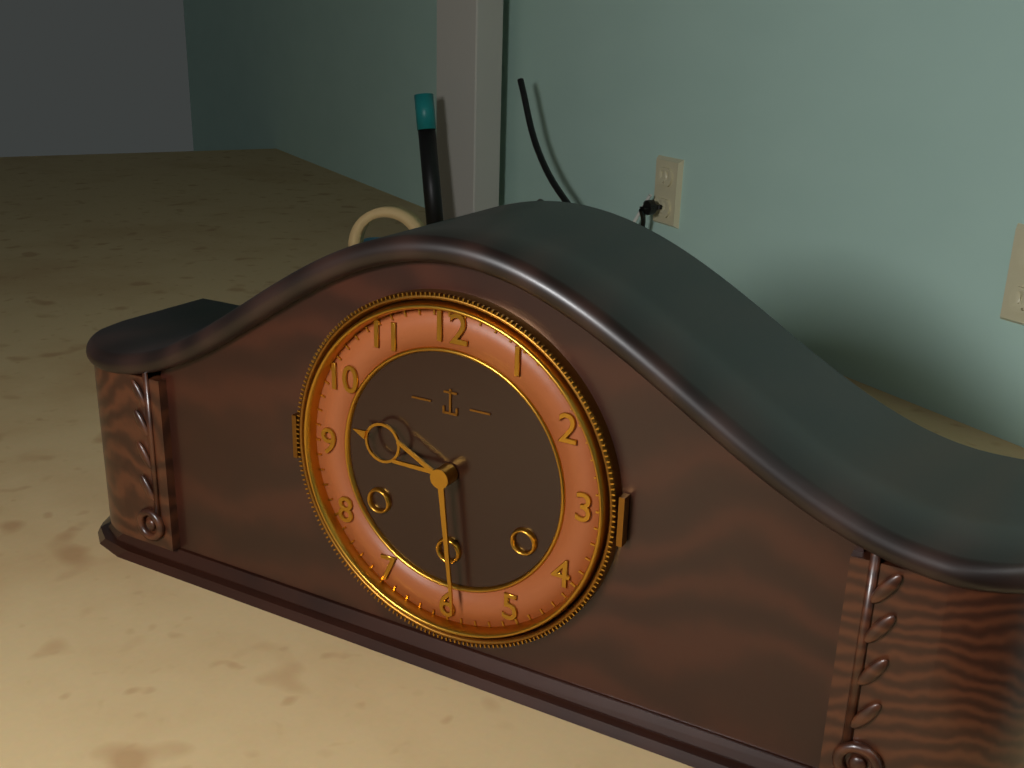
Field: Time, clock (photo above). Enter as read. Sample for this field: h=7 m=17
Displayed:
h=9 m=29
